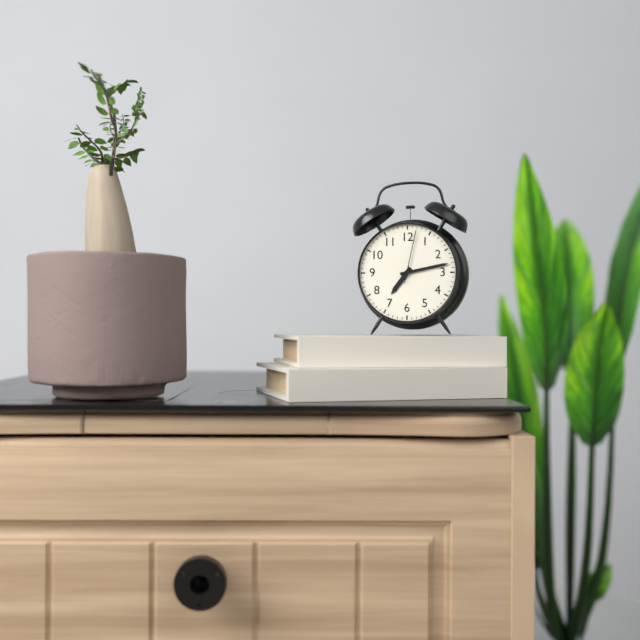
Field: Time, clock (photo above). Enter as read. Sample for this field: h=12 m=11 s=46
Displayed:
h=7 m=13 s=2
